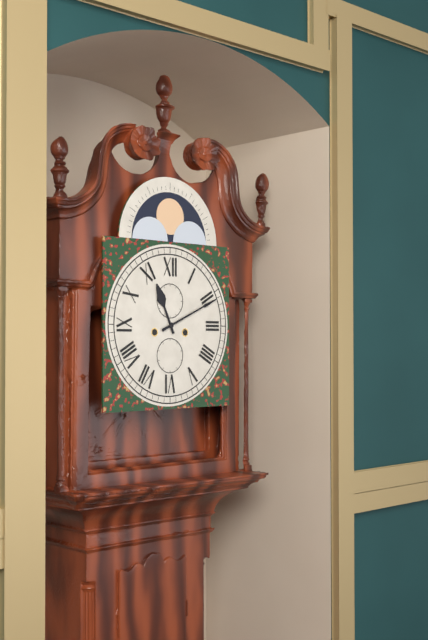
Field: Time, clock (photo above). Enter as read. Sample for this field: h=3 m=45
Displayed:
h=11 m=11
